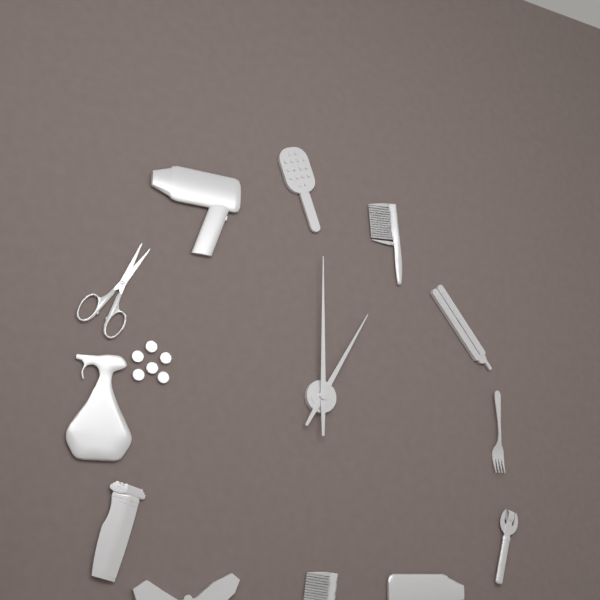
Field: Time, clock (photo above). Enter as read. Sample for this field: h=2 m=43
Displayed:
h=1 m=0
